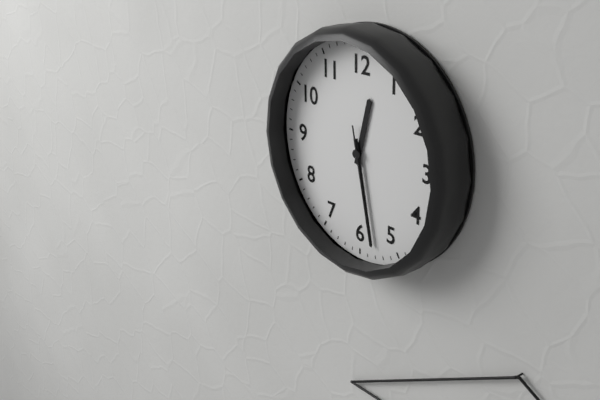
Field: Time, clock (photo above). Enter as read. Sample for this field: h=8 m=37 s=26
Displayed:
h=12 m=28 s=28
